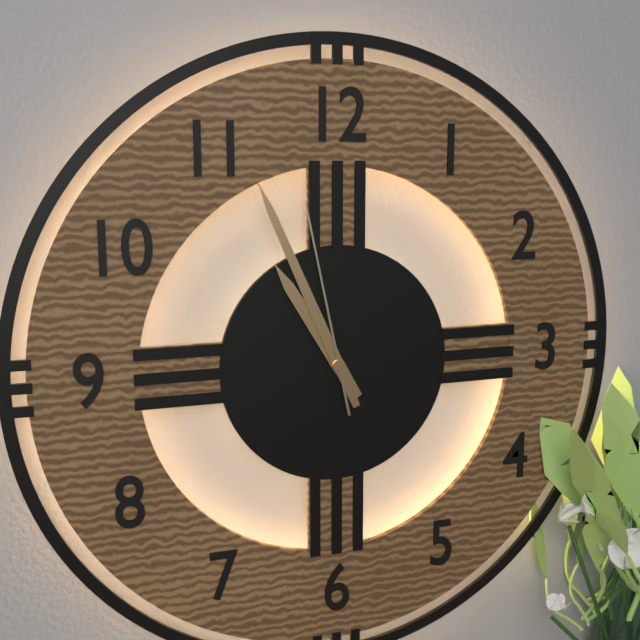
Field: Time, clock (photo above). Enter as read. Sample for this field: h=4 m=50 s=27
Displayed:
h=10 m=56 s=58
